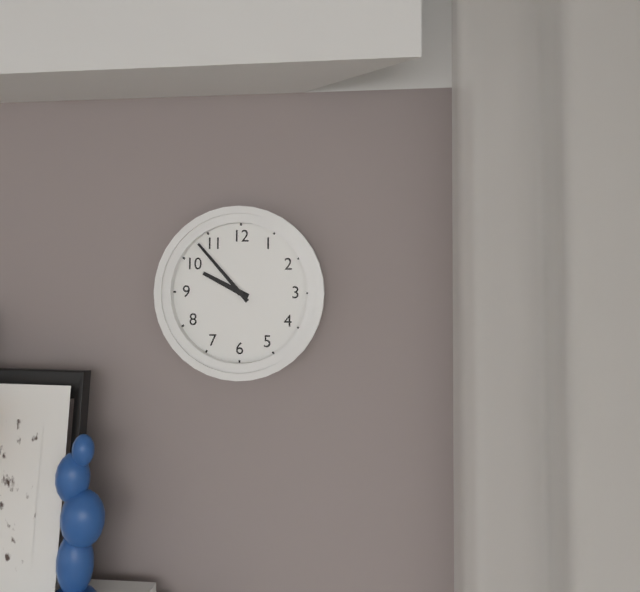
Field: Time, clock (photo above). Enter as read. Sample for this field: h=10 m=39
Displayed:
h=9 m=53
